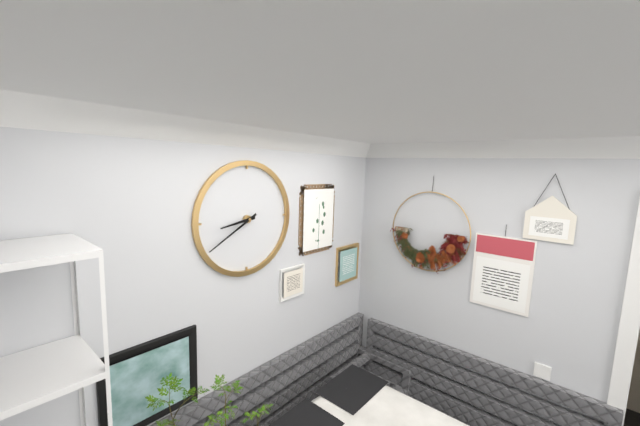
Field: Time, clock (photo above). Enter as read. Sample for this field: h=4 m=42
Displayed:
h=8 m=40
